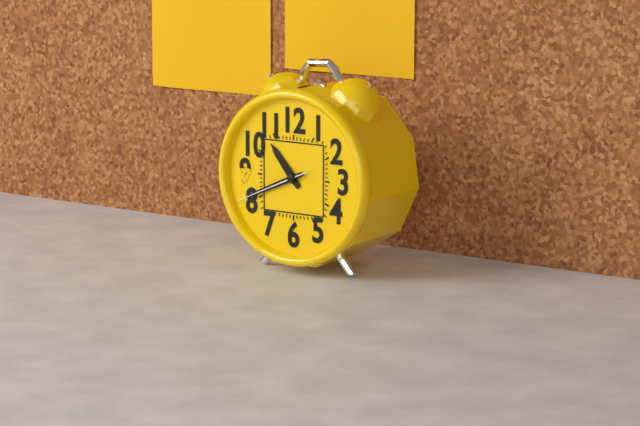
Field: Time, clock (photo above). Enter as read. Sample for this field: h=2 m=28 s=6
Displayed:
h=10 m=41 s=41
